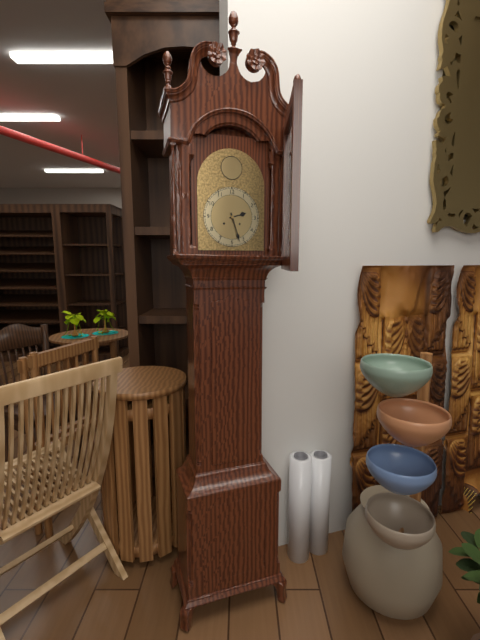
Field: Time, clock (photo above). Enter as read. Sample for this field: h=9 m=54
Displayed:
h=2 m=27
